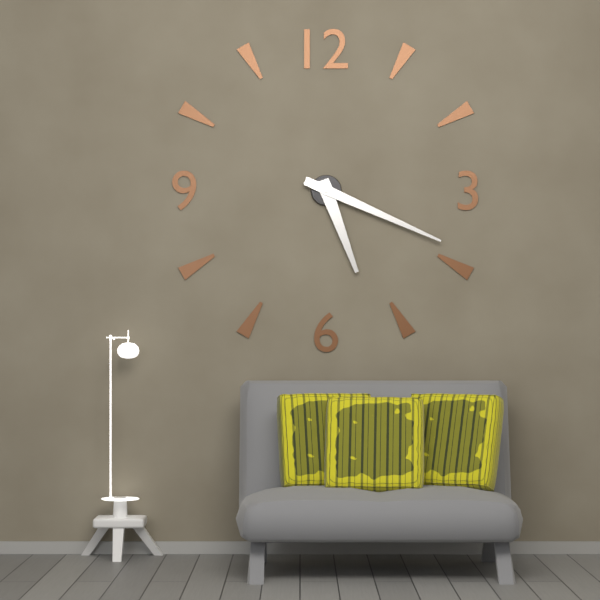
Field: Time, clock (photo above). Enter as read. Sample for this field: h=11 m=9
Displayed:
h=5 m=19
